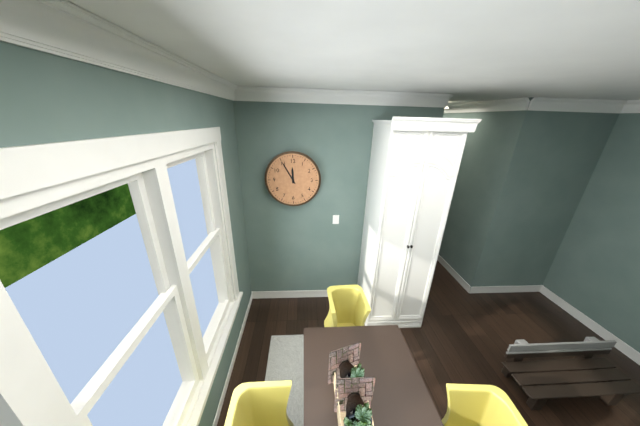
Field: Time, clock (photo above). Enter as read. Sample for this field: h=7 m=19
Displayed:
h=11 m=55
